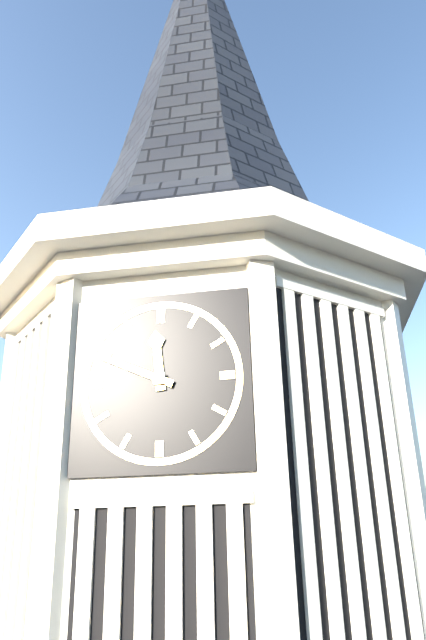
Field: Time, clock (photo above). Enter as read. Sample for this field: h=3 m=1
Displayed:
h=11 m=49
